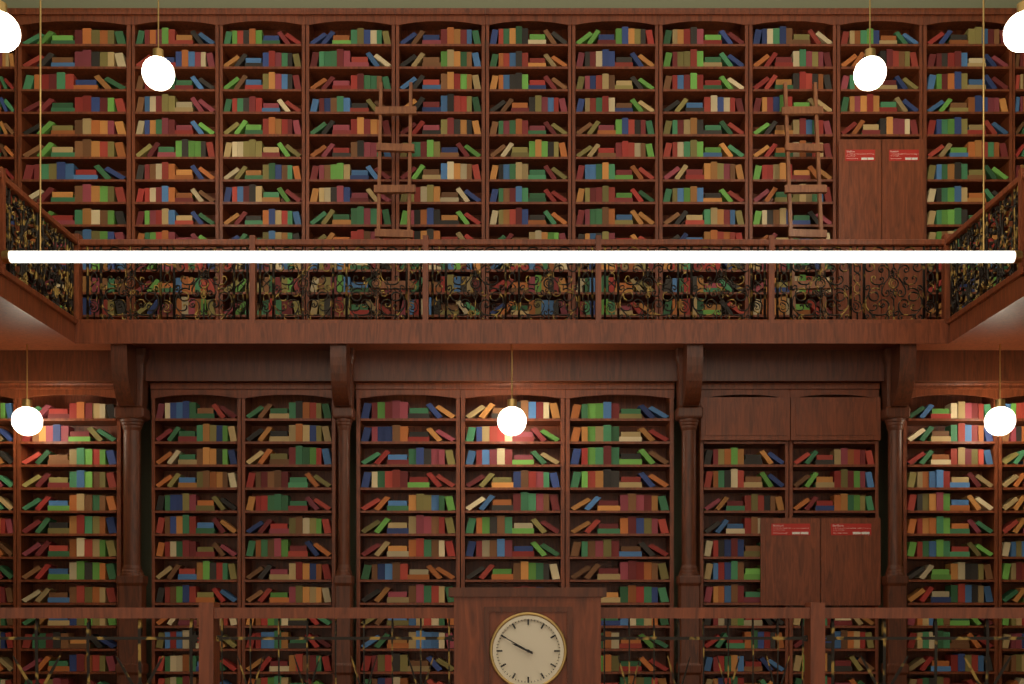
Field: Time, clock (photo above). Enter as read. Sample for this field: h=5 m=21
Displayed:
h=9 m=50
